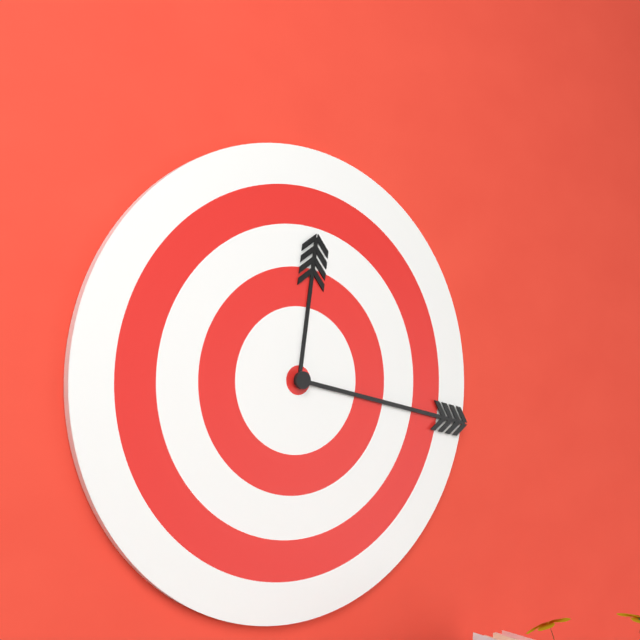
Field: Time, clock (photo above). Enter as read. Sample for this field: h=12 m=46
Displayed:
h=12 m=17
